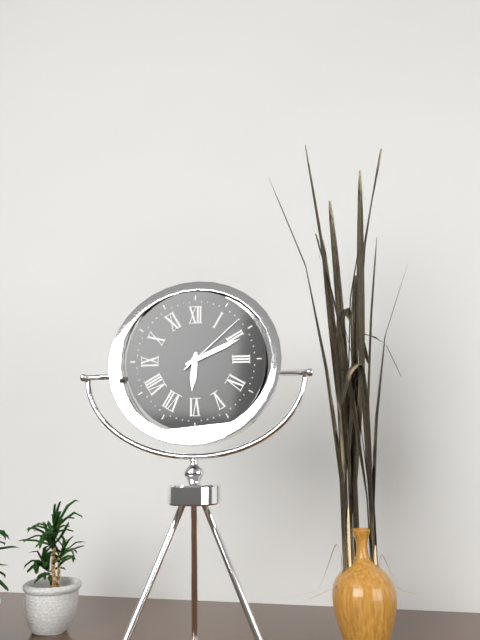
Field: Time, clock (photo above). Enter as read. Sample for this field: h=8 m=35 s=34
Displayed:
h=6 m=11 s=8
